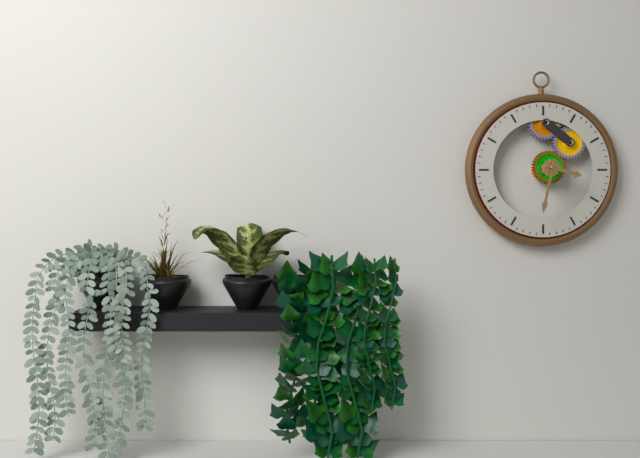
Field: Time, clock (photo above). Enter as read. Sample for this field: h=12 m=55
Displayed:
h=3 m=32
